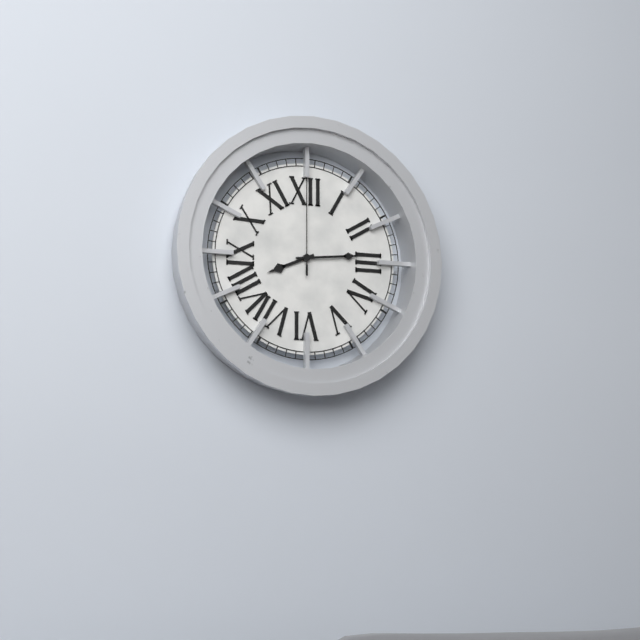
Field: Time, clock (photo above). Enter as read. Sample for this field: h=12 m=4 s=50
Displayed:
h=8 m=14 s=0
